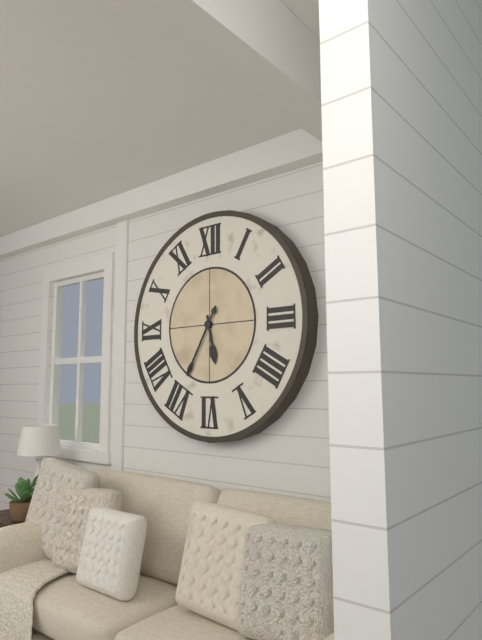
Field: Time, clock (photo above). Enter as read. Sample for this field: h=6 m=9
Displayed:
h=5 m=35
